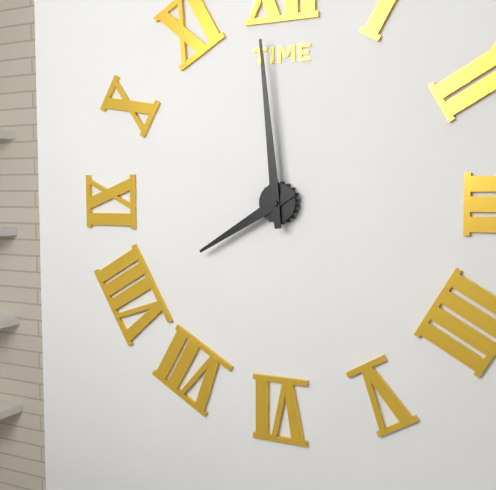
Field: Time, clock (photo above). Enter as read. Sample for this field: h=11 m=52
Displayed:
h=7 m=59
